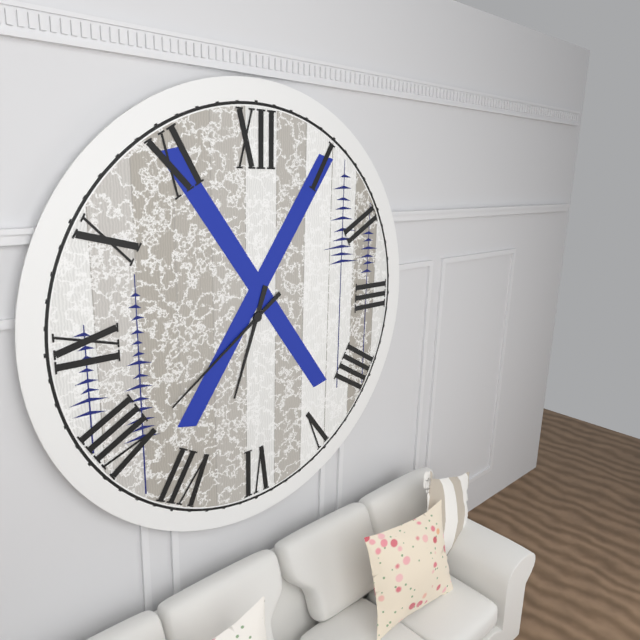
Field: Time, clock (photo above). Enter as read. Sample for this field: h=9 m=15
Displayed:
h=6 m=39
